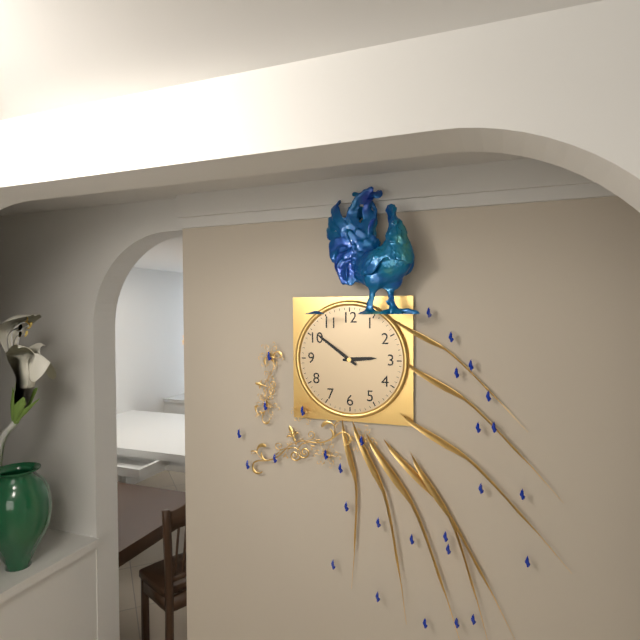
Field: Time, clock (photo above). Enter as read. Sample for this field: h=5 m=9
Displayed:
h=2 m=51
